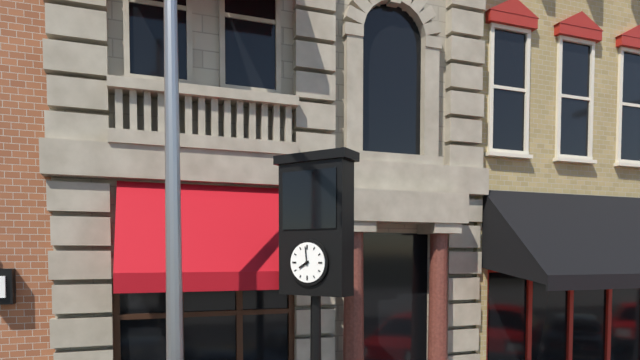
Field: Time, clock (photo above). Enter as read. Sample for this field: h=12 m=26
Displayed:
h=7 m=59
